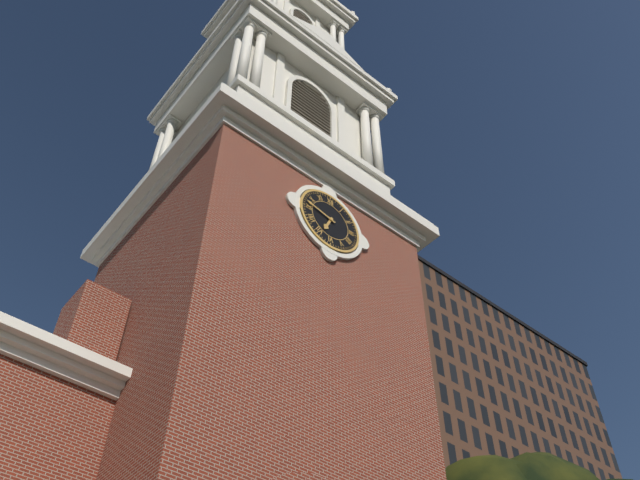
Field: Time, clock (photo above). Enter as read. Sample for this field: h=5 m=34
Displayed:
h=6 m=47
